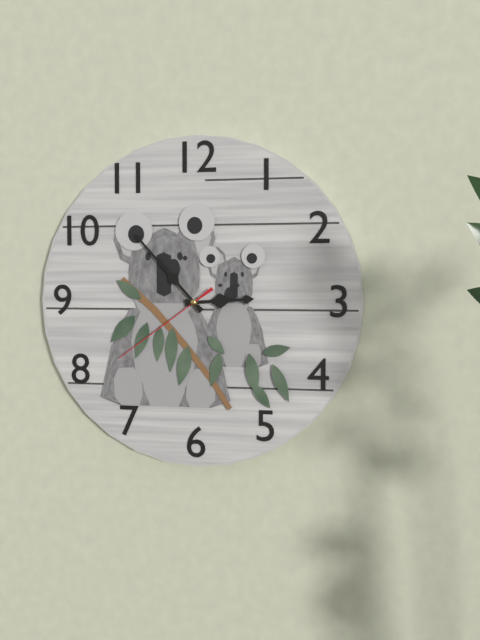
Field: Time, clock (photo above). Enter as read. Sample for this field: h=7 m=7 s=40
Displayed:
h=2 m=53 s=39
